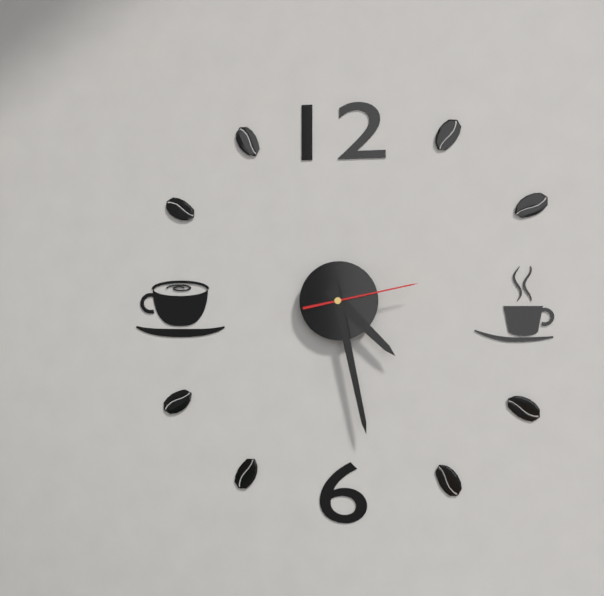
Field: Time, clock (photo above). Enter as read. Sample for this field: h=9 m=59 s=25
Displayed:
h=4 m=28 s=13
